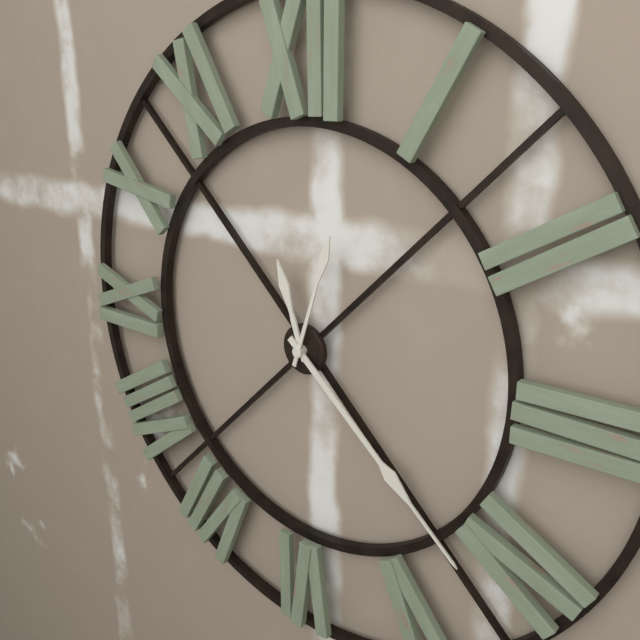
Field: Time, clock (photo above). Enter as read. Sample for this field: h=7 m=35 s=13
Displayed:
h=11 m=22 s=3
